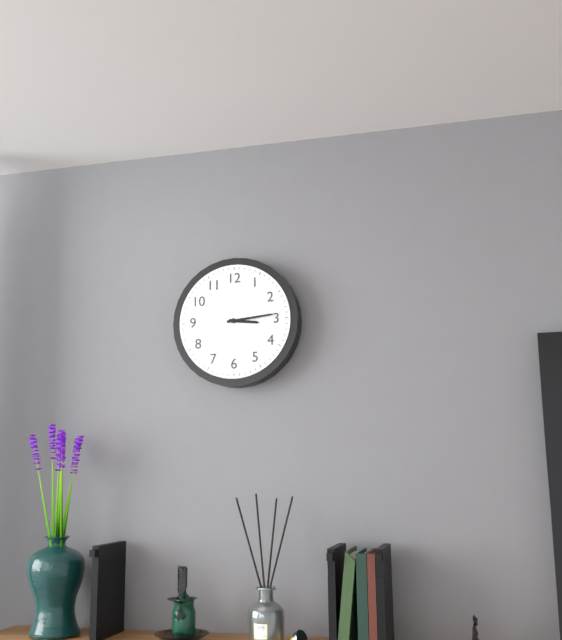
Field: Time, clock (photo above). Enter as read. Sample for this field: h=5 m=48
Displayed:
h=3 m=14
